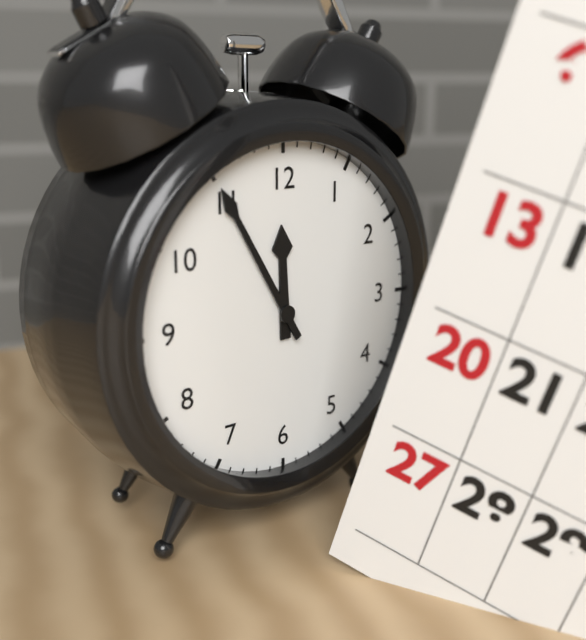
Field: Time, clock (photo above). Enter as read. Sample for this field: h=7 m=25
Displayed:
h=11 m=55
